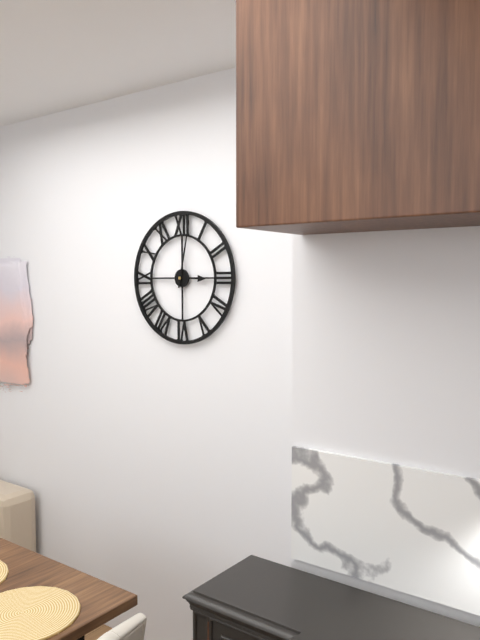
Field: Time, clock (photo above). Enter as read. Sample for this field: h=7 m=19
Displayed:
h=3 m=2
